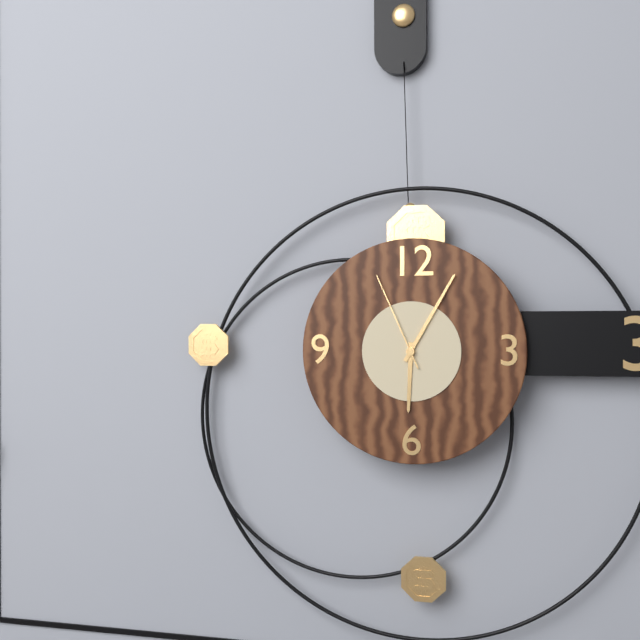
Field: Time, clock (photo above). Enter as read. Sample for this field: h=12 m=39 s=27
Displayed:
h=6 m=5 s=56
